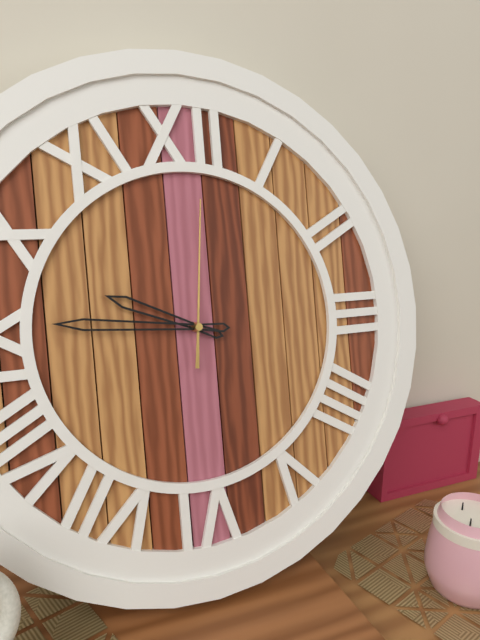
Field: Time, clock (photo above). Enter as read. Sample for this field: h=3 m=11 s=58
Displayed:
h=9 m=46 s=1
